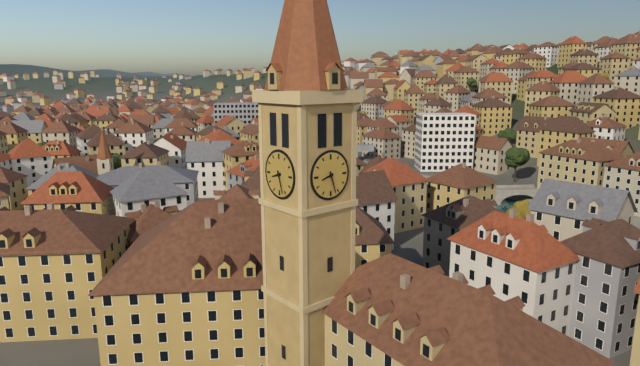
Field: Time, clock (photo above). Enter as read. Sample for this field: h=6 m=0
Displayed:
h=8 m=27
